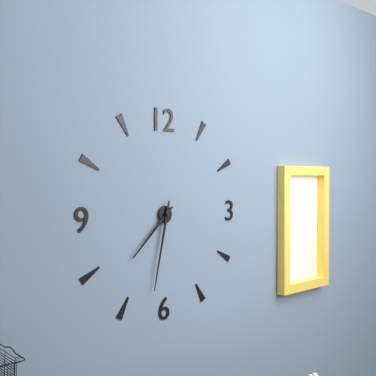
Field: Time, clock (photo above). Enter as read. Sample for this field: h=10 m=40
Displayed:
h=7 m=32
